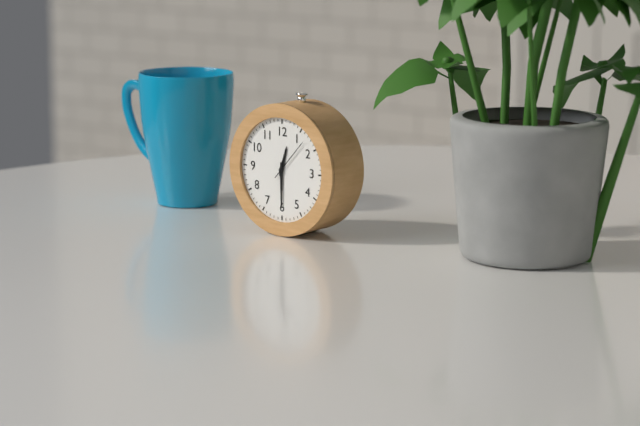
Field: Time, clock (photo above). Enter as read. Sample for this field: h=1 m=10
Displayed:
h=12 m=30
